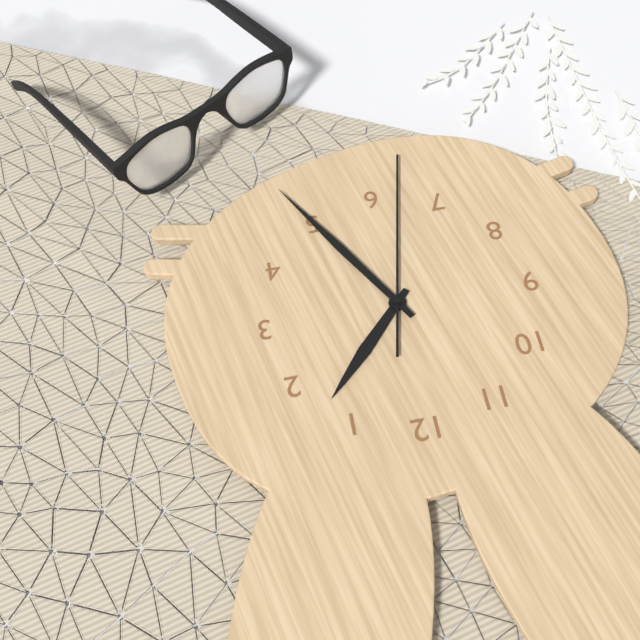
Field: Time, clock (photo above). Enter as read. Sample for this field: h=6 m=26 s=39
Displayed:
h=1 m=25 s=32
